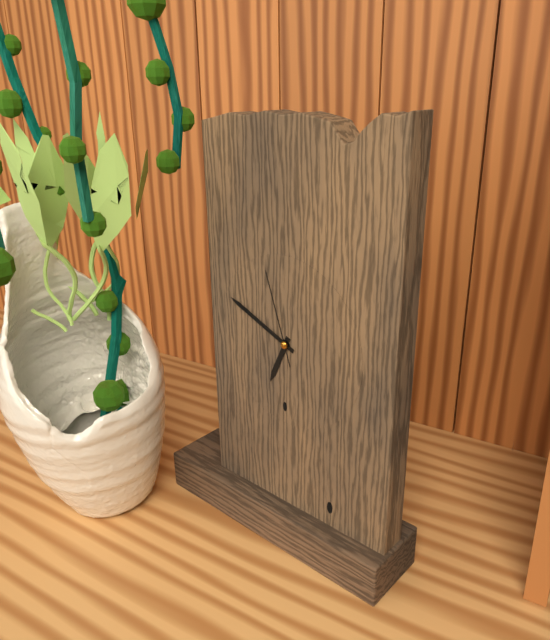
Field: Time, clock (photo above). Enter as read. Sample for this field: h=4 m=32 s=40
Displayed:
h=6 m=49 s=57
